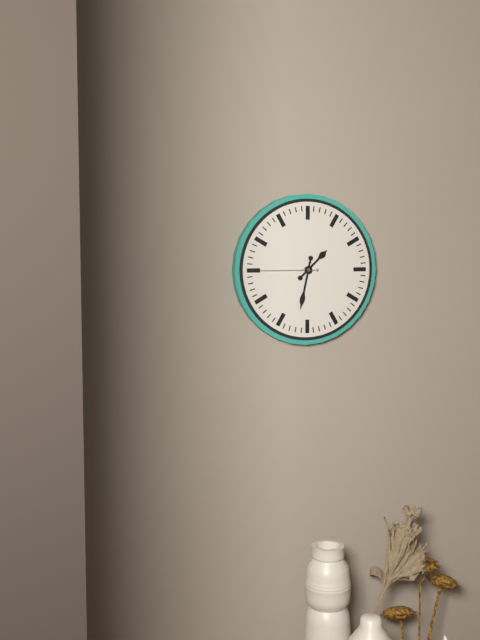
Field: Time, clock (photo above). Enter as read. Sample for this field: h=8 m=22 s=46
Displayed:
h=1 m=32 s=45
